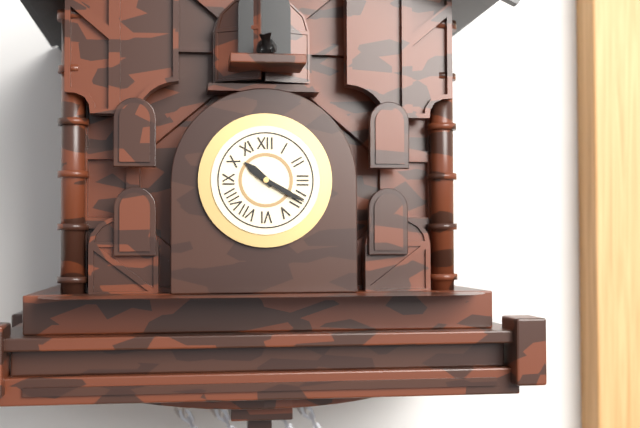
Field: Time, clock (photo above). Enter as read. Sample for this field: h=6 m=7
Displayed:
h=10 m=20
